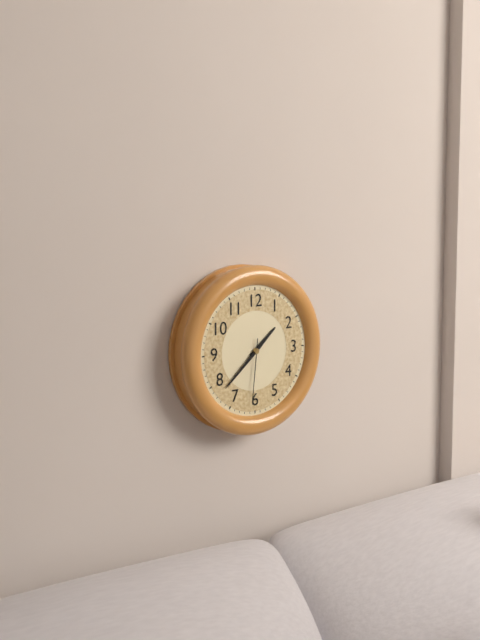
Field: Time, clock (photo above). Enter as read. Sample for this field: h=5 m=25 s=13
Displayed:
h=1 m=38 s=31
